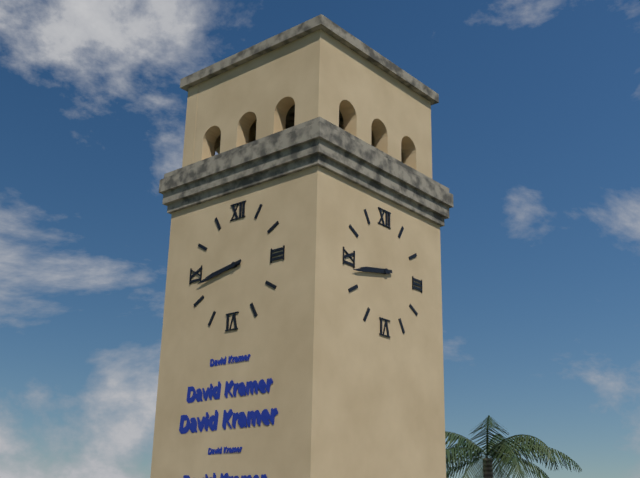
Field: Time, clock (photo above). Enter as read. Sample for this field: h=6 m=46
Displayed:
h=8 m=43
